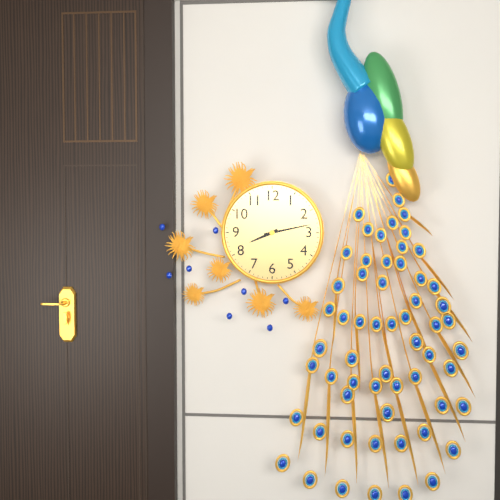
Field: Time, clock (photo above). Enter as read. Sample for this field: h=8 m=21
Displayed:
h=8 m=13
